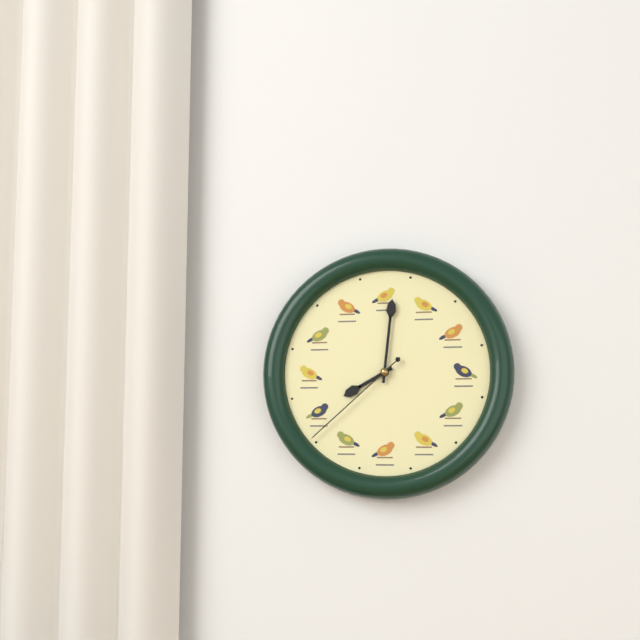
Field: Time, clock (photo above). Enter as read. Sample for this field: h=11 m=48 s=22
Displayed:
h=8 m=1 s=38
